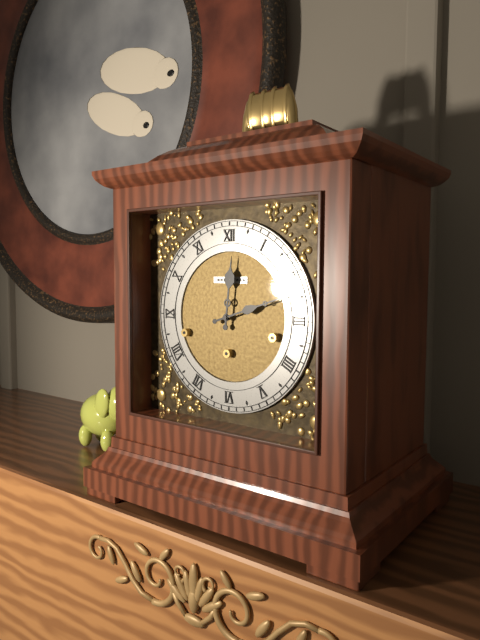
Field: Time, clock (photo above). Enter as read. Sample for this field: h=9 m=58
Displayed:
h=12 m=12
